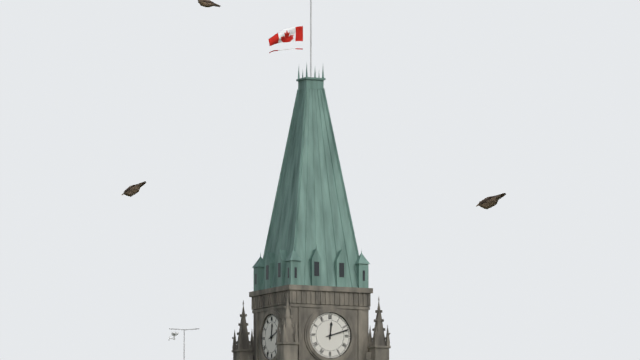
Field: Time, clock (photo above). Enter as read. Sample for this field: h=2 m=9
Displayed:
h=12 m=12
